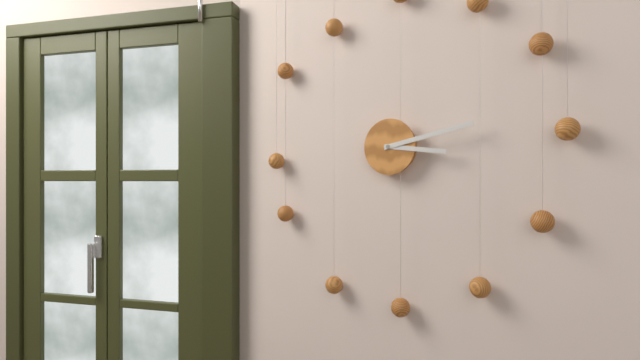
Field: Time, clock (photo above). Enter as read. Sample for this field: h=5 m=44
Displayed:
h=3 m=13
